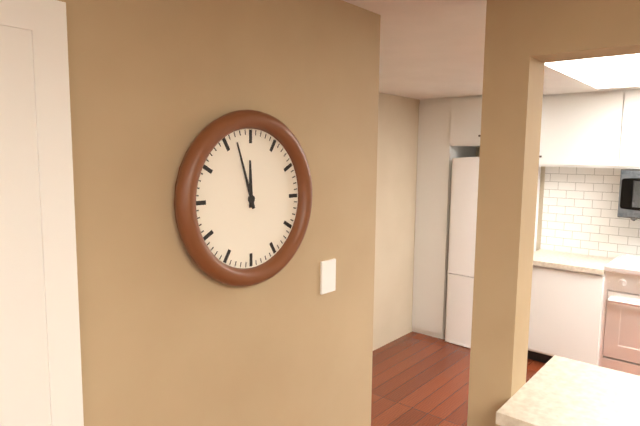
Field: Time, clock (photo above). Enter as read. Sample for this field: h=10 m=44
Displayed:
h=11 m=57
